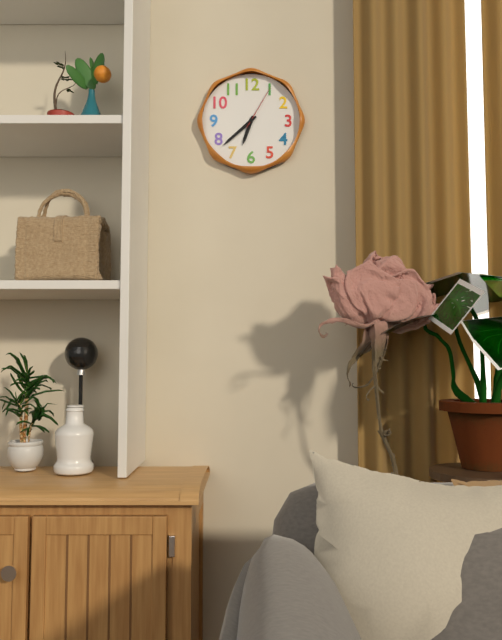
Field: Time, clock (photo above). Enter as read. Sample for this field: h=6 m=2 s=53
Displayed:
h=6 m=38 s=5
